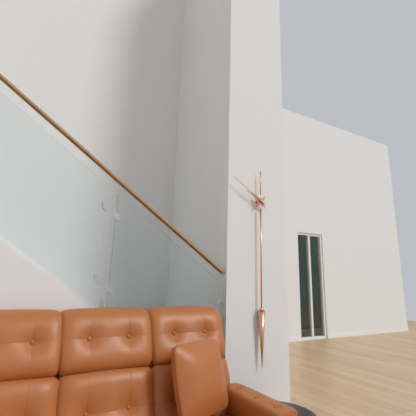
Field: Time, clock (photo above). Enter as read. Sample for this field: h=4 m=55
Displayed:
h=9 m=50
